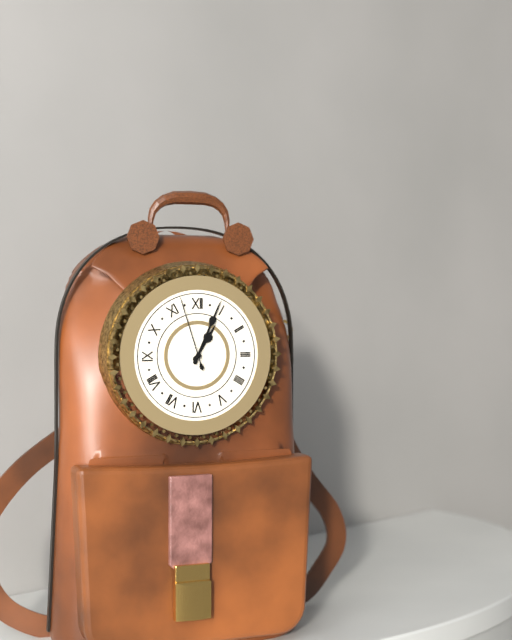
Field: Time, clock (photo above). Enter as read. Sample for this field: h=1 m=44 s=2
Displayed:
h=1 m=4 s=57
